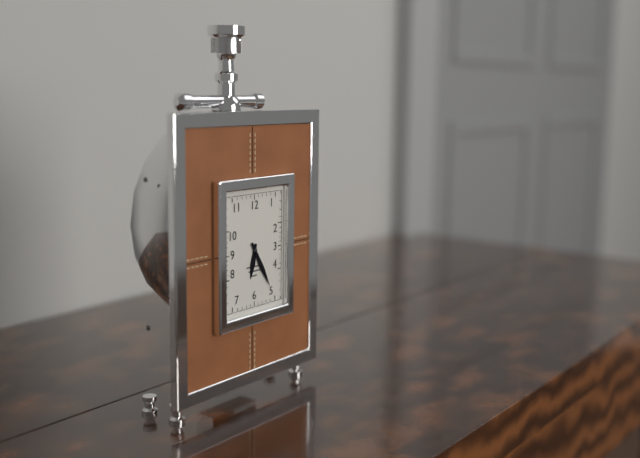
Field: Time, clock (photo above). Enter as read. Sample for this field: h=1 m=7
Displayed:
h=6 m=25
